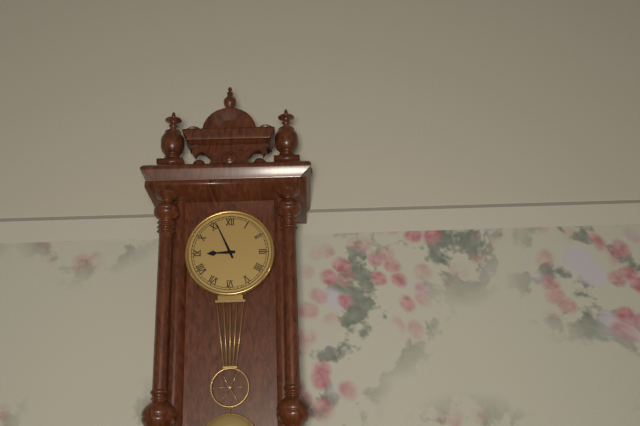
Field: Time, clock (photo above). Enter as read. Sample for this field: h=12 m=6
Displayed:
h=8 m=56
